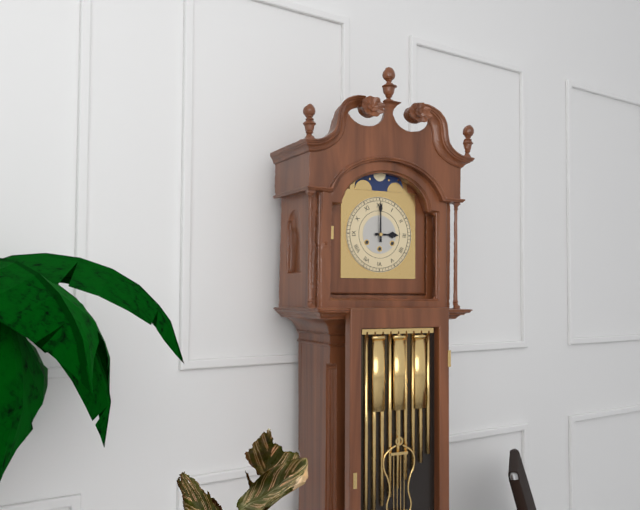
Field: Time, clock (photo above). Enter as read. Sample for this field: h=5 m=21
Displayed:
h=3 m=0
